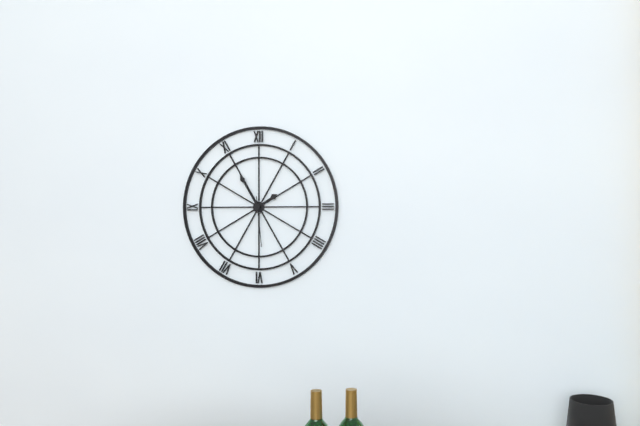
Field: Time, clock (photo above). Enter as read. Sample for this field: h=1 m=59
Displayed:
h=1 m=55
